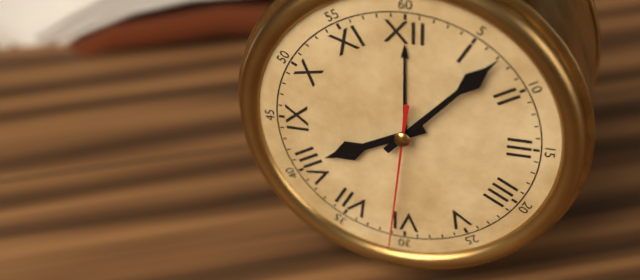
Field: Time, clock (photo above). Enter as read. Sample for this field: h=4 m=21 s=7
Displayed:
h=8 m=7 s=31
